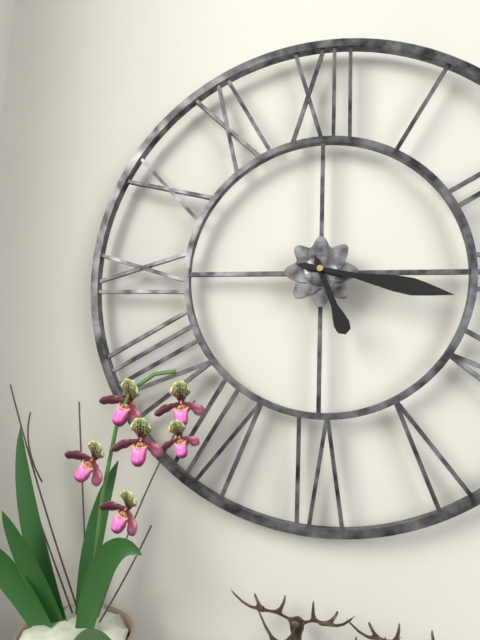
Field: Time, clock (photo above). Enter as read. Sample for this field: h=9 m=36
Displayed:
h=5 m=17
